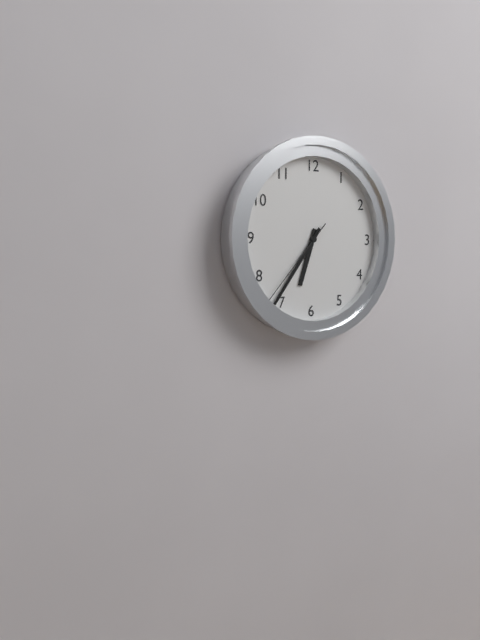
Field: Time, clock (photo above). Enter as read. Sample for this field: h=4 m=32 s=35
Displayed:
h=6 m=36 s=37
